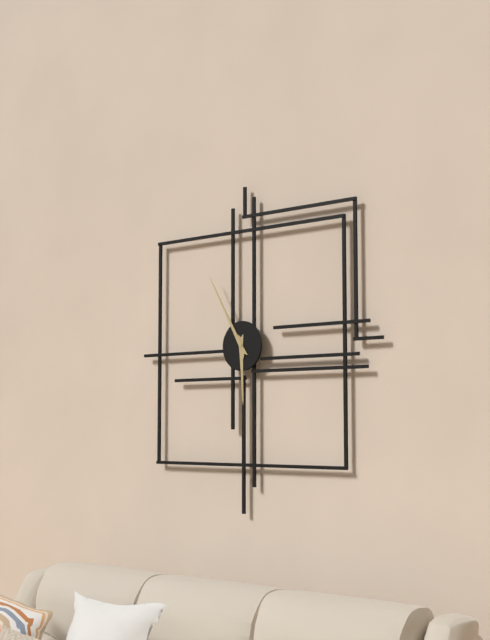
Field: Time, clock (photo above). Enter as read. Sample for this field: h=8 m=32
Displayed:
h=5 m=55
